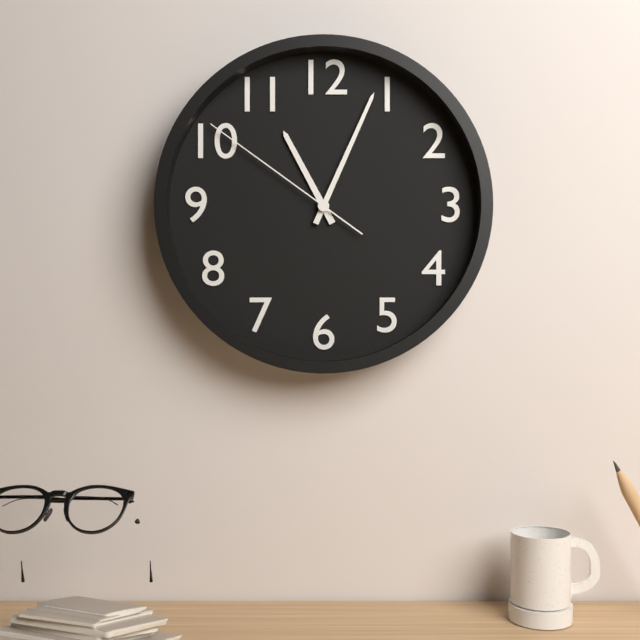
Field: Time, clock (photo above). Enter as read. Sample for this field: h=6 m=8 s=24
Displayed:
h=11 m=4 s=51
